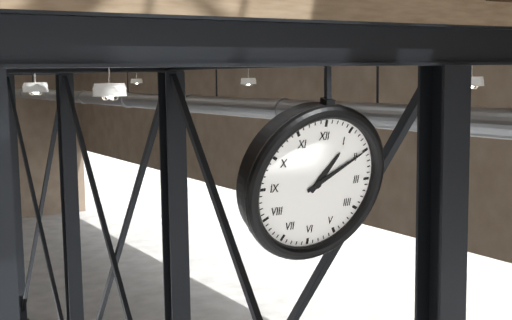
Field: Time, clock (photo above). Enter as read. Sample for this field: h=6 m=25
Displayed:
h=1 m=10
